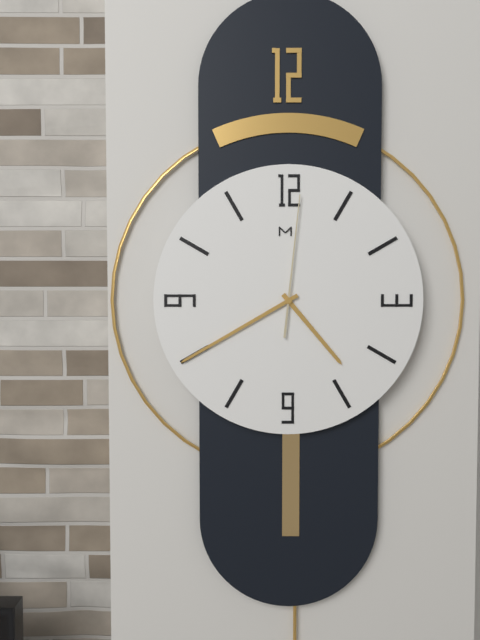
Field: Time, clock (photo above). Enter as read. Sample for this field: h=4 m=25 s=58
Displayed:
h=4 m=40 s=1
